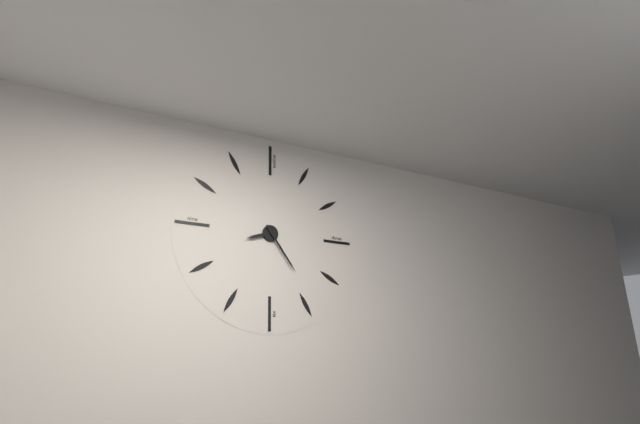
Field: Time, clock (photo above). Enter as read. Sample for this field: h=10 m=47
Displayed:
h=8 m=24
